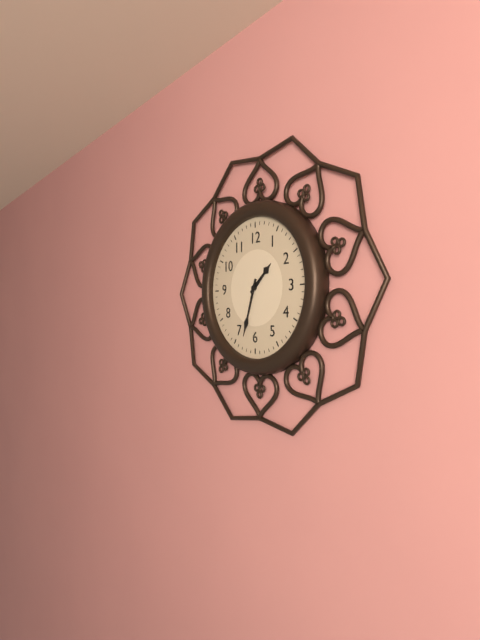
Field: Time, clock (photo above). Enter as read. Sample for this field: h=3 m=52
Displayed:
h=1 m=33
